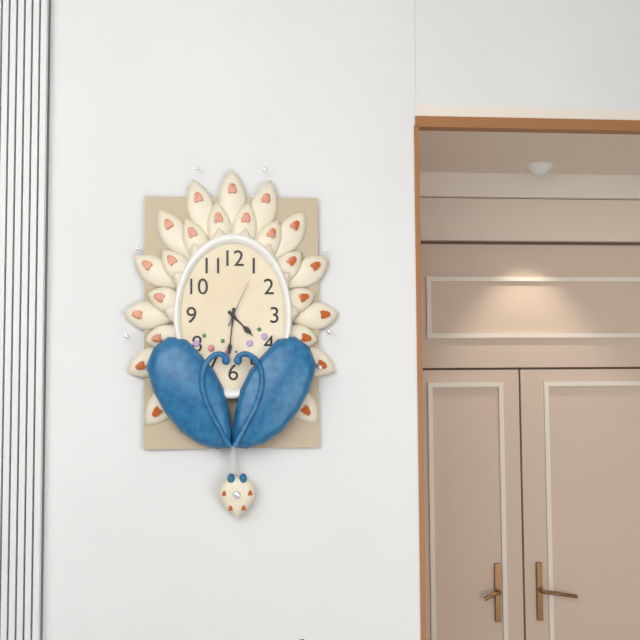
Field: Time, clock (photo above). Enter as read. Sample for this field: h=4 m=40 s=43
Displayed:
h=4 m=31 s=4
